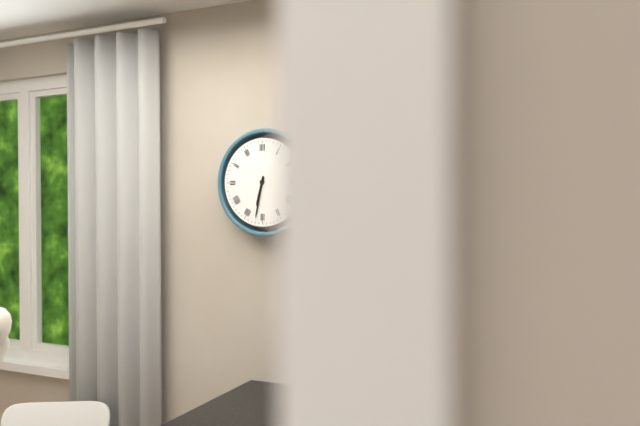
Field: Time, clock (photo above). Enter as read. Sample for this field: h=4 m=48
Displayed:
h=6 m=32
